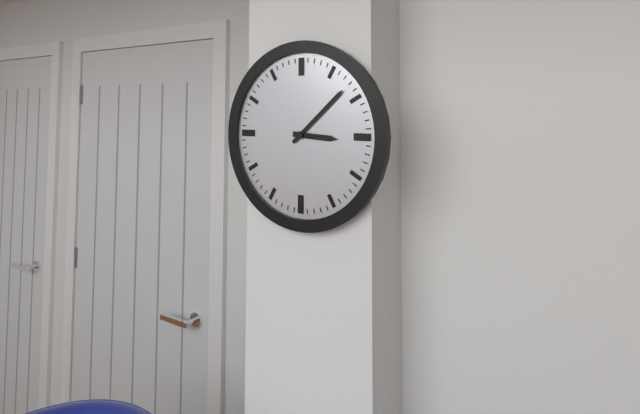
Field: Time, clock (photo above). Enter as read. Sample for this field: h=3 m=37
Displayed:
h=3 m=8
